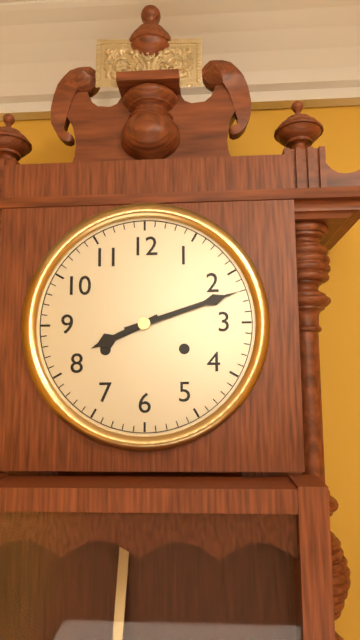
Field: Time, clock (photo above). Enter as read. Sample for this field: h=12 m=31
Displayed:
h=8 m=12
